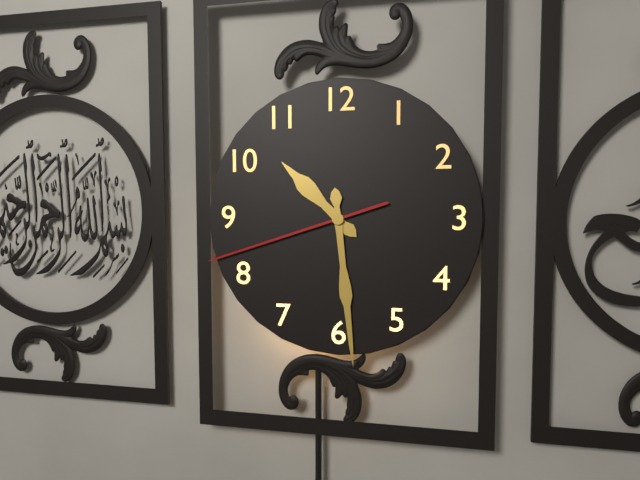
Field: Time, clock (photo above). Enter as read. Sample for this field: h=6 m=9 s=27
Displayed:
h=10 m=29 s=42
